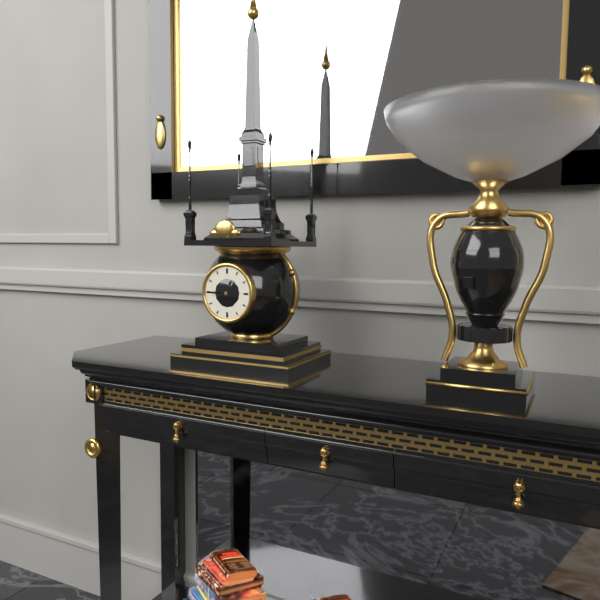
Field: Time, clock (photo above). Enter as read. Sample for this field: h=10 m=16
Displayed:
h=12 m=45
